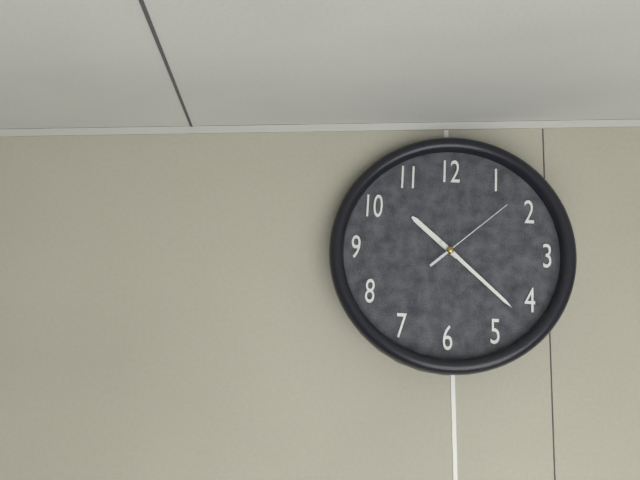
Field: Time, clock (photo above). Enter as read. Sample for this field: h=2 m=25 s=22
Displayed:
h=10 m=22 s=8
